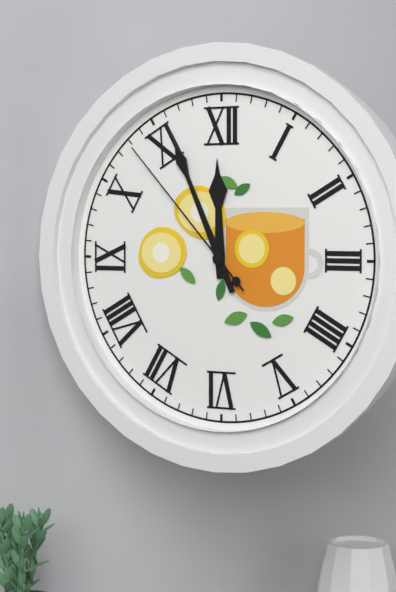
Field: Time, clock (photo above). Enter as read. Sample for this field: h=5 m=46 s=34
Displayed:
h=11 m=56 s=53
